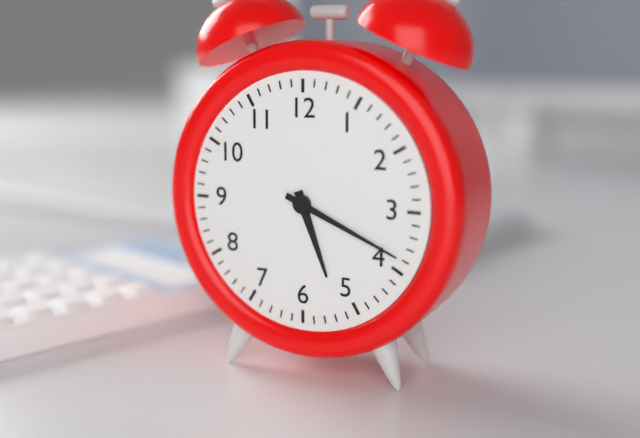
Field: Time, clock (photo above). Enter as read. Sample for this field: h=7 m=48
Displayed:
h=5 m=19
